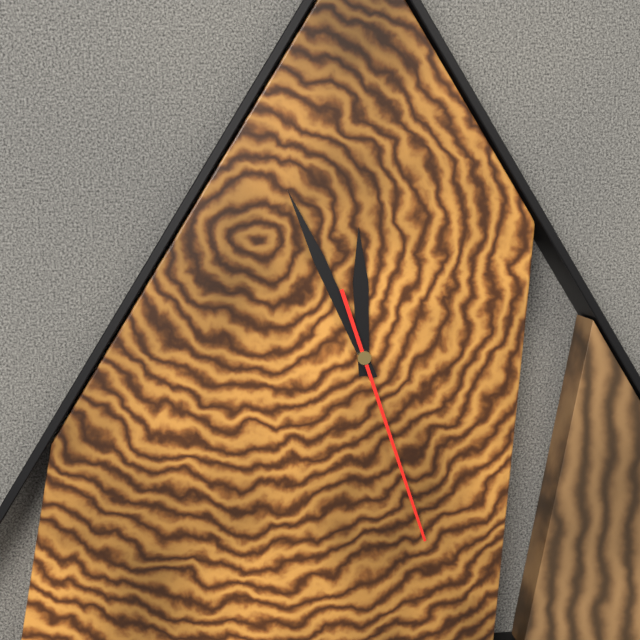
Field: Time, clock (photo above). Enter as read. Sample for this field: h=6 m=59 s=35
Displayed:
h=11 m=56 s=27
